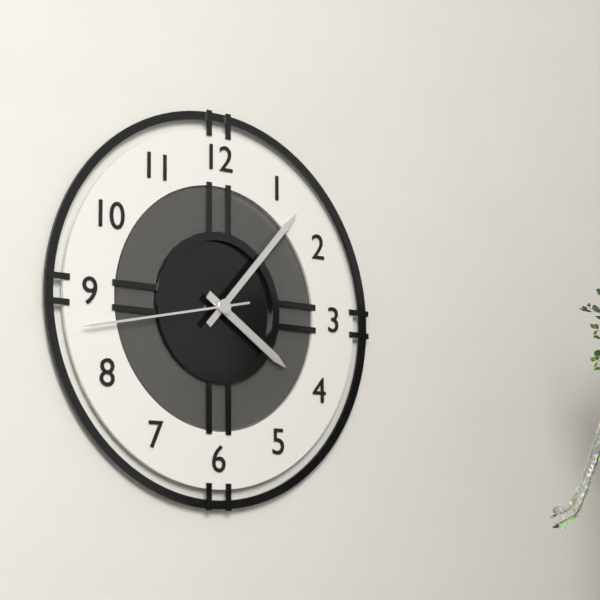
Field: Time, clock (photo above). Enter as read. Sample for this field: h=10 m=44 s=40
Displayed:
h=4 m=7 s=43
